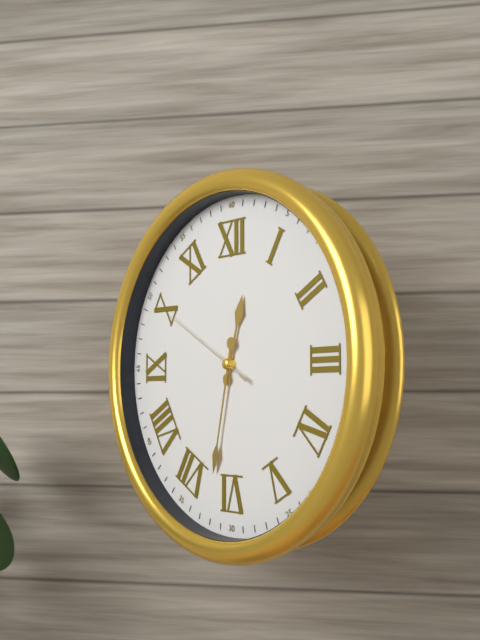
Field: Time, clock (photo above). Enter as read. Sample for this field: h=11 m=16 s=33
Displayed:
h=12 m=32 s=50
